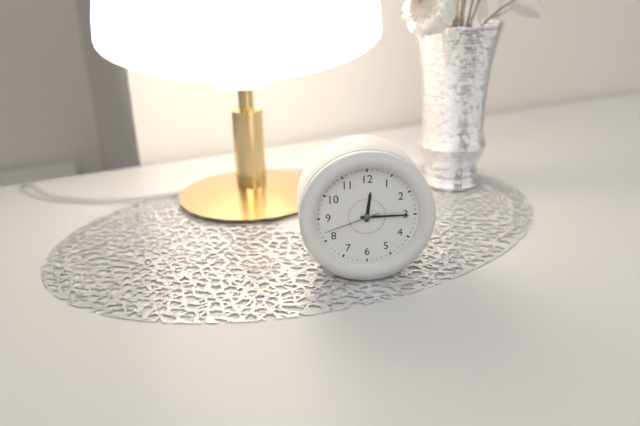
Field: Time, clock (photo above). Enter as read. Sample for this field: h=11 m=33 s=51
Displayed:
h=12 m=15 s=42
